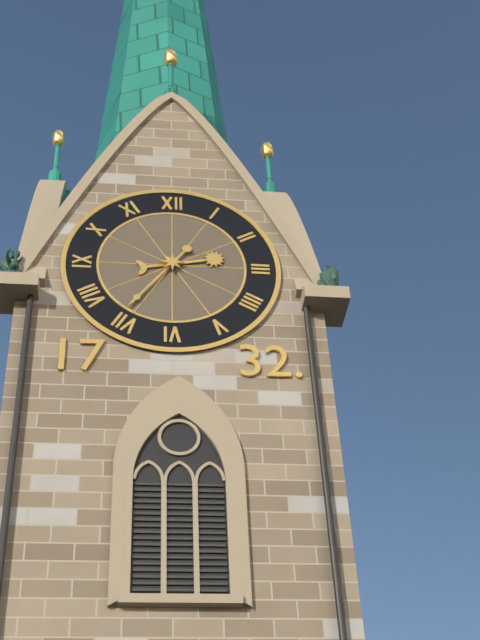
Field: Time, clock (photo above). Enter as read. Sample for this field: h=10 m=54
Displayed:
h=2 m=36
